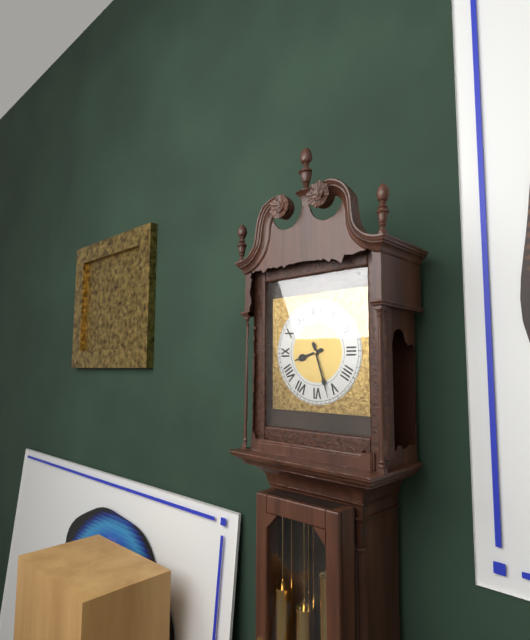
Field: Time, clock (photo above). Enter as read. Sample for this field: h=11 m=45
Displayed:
h=8 m=27
